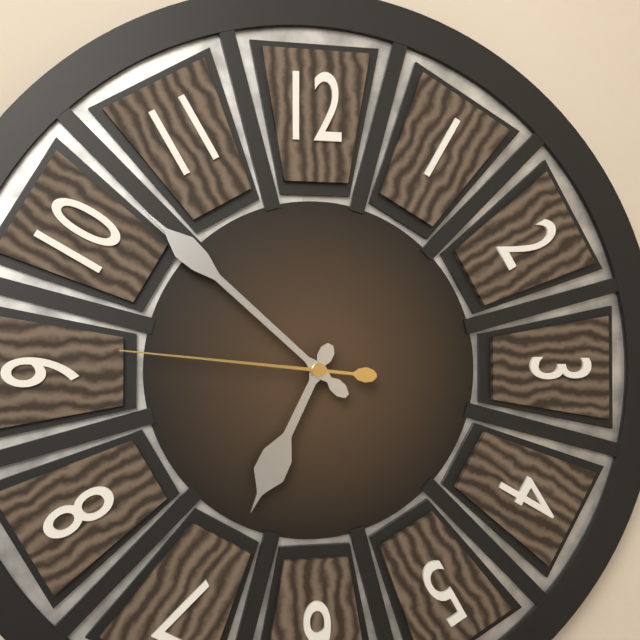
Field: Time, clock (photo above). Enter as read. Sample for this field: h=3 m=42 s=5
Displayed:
h=6 m=52 s=46
